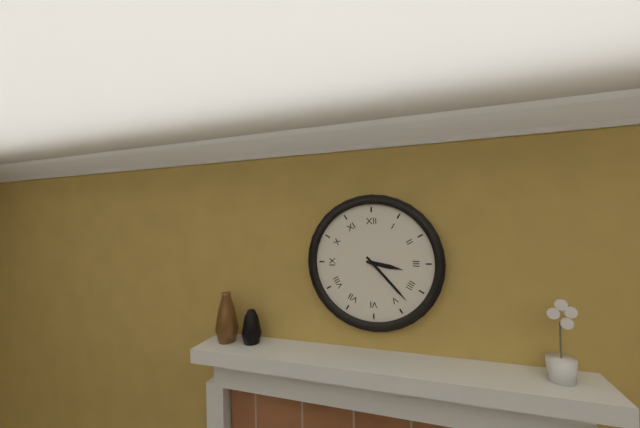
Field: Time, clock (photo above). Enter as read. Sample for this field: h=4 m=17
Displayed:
h=3 m=23
